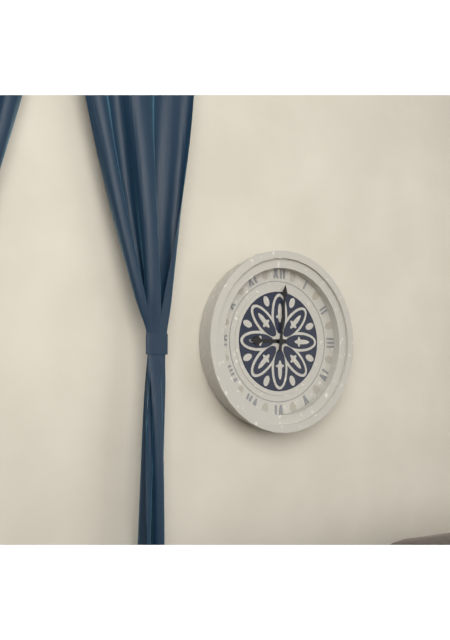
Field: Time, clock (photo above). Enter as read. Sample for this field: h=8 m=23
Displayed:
h=9 m=1
